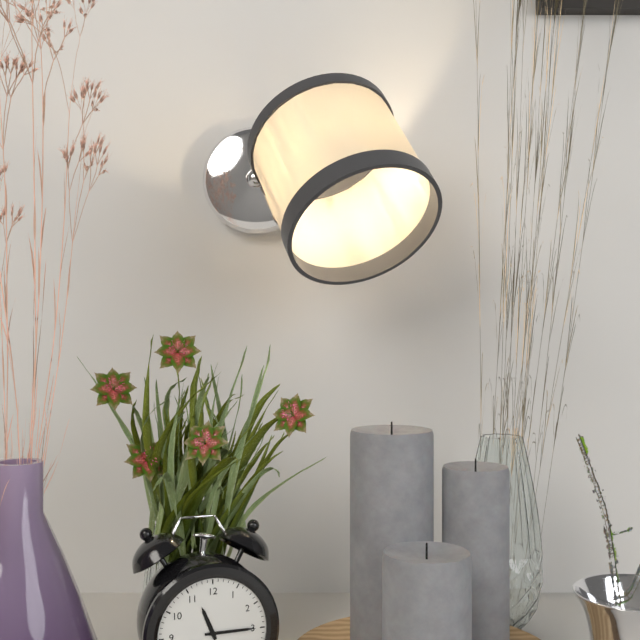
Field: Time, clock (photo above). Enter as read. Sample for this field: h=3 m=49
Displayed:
h=11 m=15
